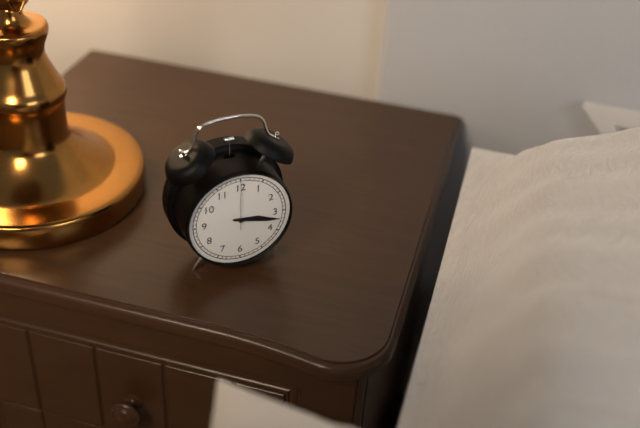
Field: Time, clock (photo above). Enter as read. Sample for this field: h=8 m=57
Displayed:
h=3 m=17
